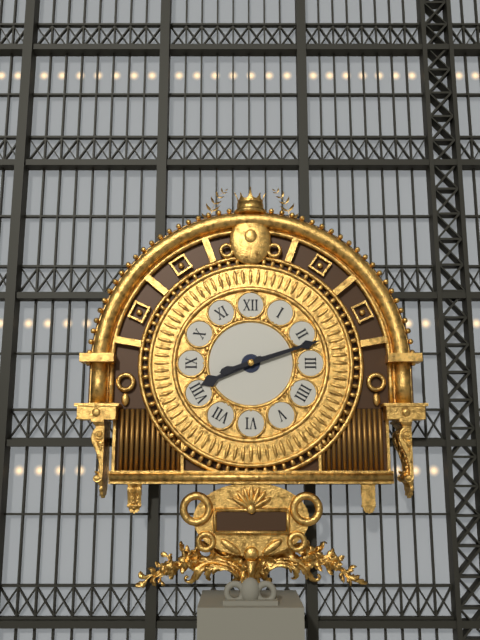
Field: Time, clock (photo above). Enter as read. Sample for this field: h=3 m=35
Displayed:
h=8 m=12
